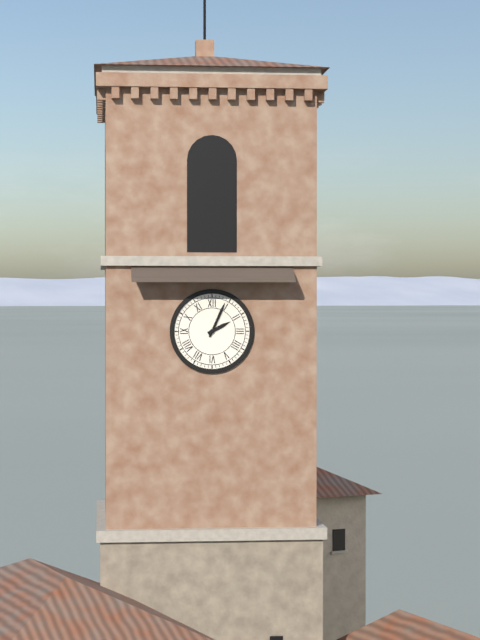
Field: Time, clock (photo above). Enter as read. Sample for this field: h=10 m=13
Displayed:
h=2 m=4
